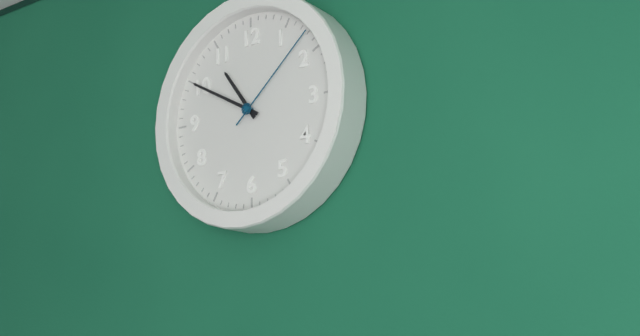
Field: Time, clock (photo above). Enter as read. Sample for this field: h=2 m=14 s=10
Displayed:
h=10 m=50 s=8
